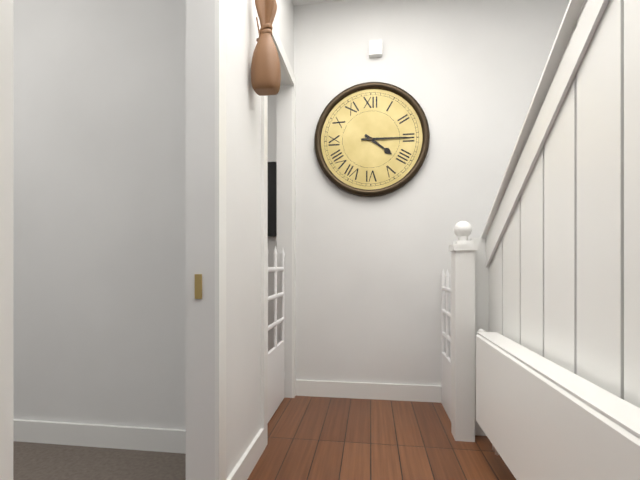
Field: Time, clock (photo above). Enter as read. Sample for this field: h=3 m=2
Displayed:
h=4 m=15
